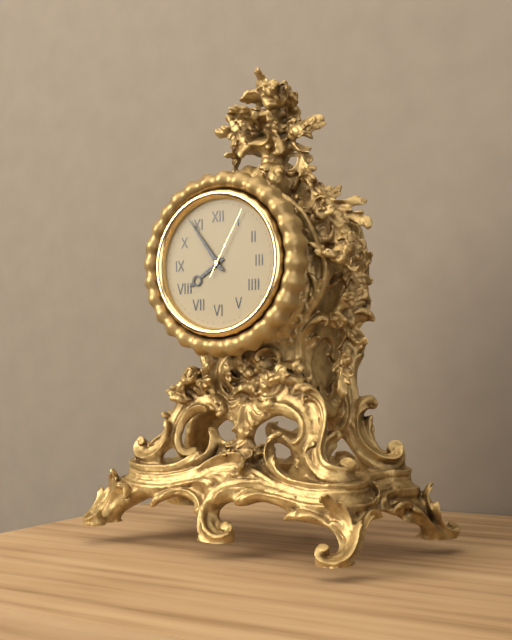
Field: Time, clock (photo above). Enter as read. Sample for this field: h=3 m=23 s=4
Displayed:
h=7 m=54 s=5
